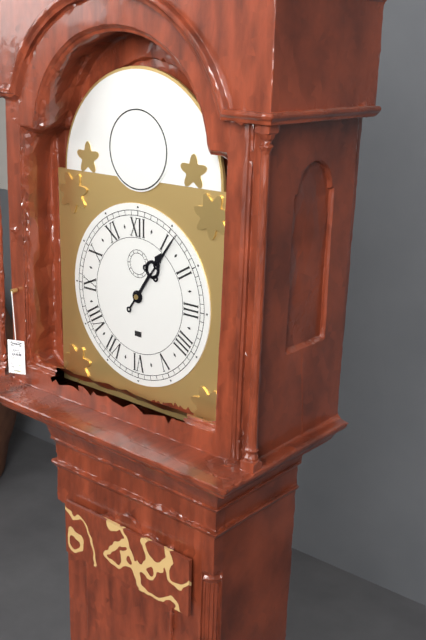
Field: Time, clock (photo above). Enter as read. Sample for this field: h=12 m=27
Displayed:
h=1 m=6
